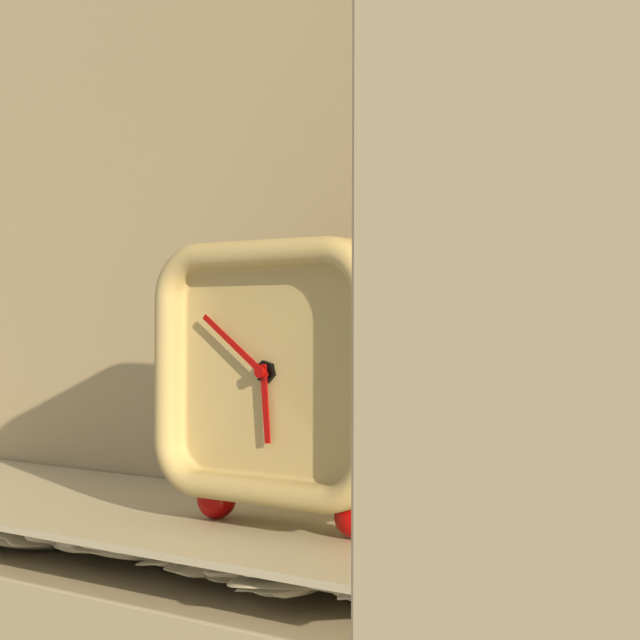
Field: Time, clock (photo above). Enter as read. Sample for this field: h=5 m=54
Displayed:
h=5 m=51
